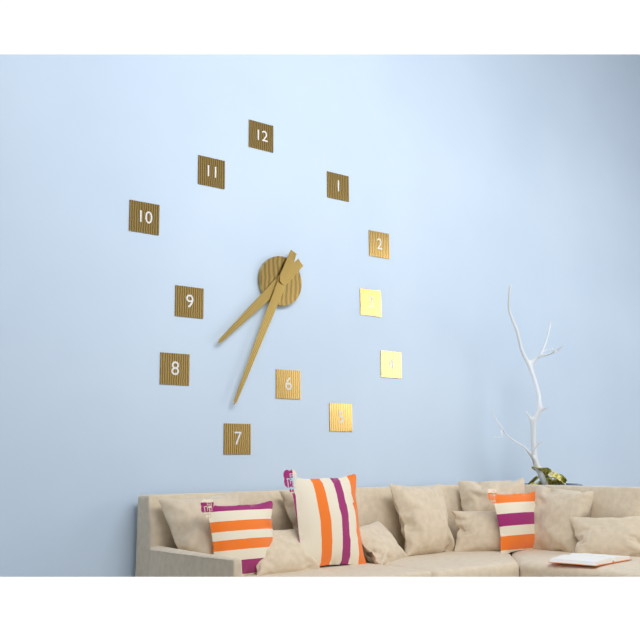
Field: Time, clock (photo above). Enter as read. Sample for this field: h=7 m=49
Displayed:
h=7 m=34
